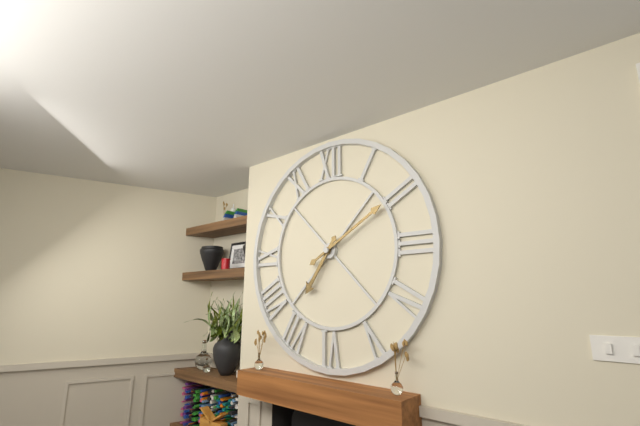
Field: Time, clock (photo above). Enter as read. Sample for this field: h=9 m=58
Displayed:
h=7 m=10
